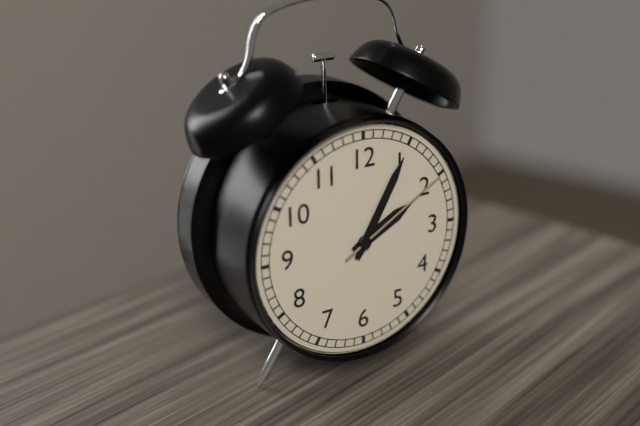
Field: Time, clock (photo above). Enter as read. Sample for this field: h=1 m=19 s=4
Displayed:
h=2 m=5 s=10
